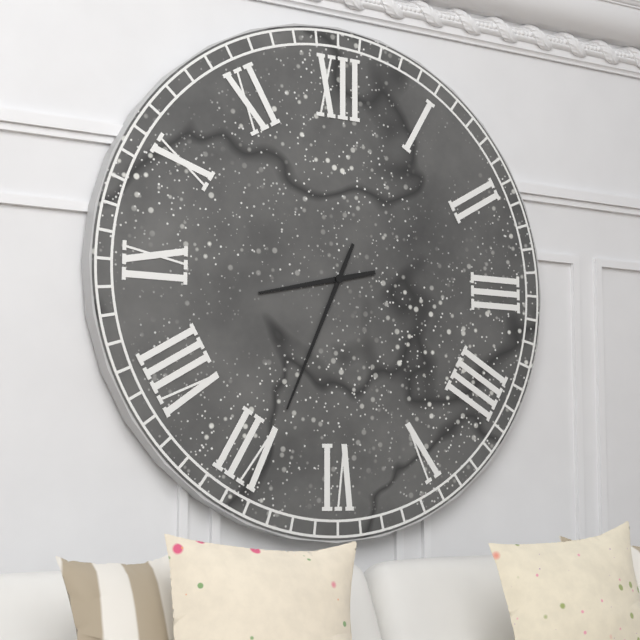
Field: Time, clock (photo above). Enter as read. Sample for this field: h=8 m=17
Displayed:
h=8 m=34
